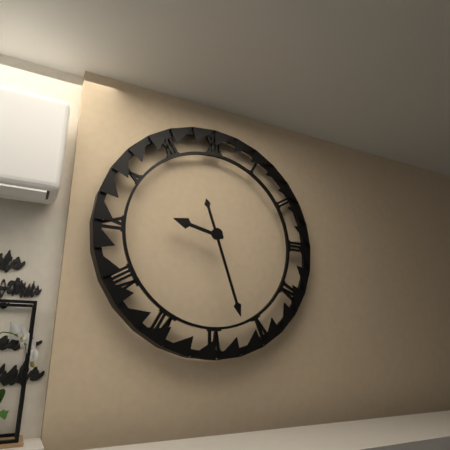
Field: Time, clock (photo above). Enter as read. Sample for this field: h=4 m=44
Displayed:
h=9 m=27
